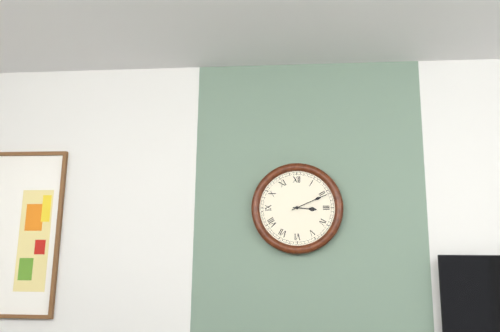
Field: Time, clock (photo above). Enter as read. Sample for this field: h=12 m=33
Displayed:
h=3 m=11
